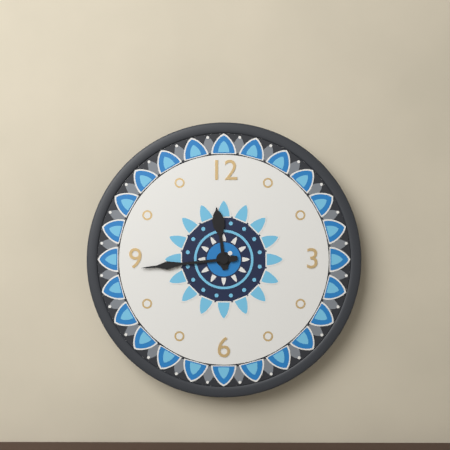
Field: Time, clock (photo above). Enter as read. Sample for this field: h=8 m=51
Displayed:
h=11 m=44
